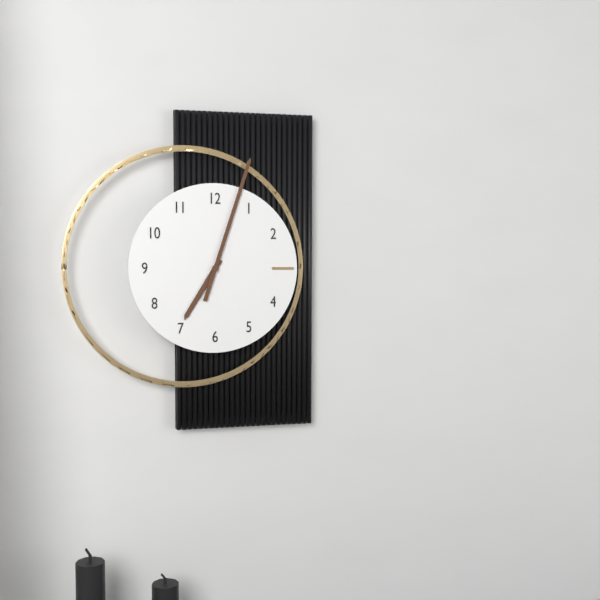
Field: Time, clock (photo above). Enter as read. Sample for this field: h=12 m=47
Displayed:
h=7 m=3
